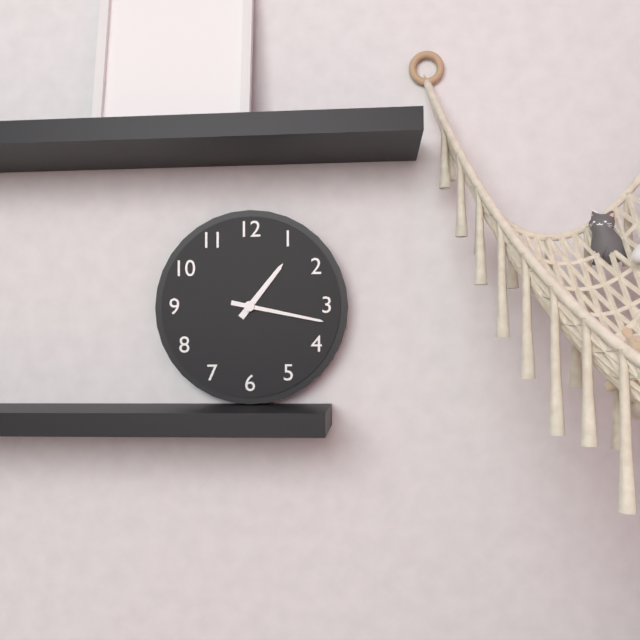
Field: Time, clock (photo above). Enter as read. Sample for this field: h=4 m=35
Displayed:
h=1 m=17
